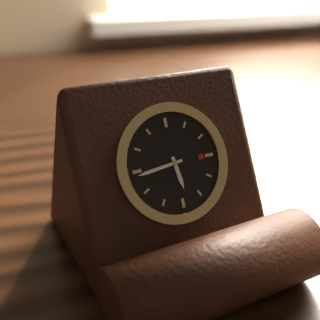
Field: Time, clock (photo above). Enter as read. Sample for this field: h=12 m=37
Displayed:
h=5 m=44
